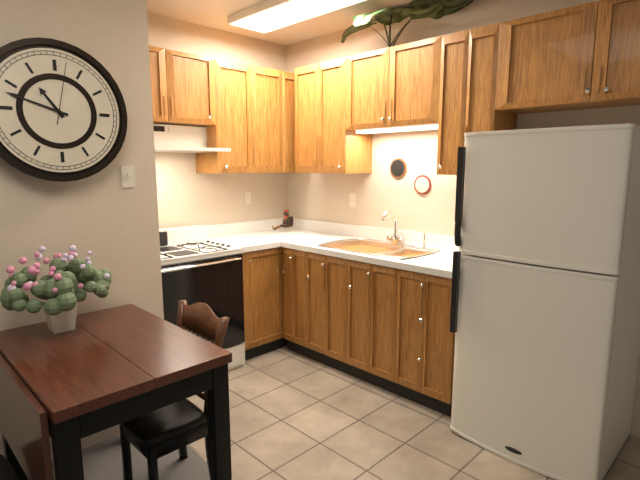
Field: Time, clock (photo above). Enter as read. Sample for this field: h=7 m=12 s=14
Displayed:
h=10 m=48 s=2
